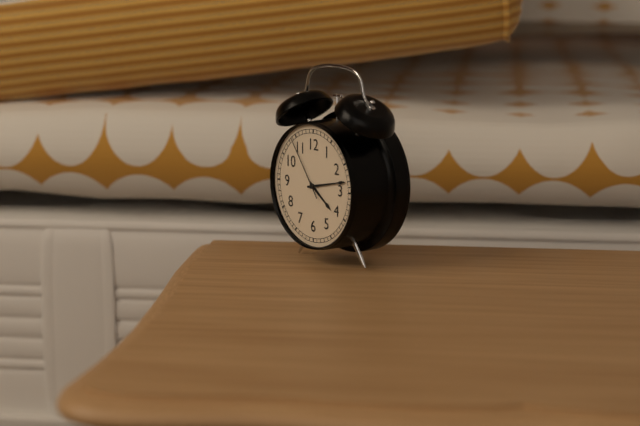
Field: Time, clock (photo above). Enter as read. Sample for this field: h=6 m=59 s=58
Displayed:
h=4 m=13 s=54
